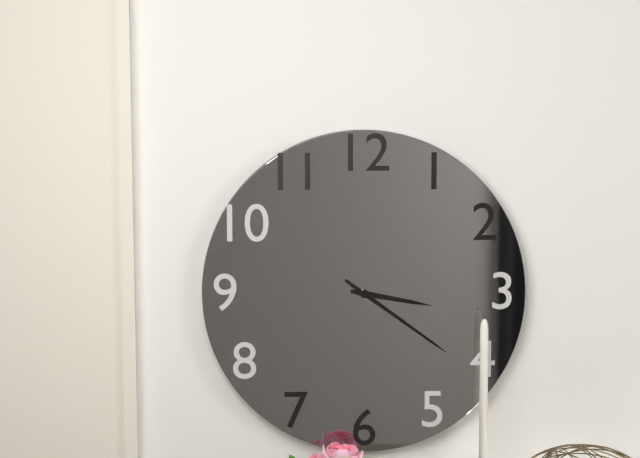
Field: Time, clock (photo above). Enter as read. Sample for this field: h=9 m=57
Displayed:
h=3 m=21
